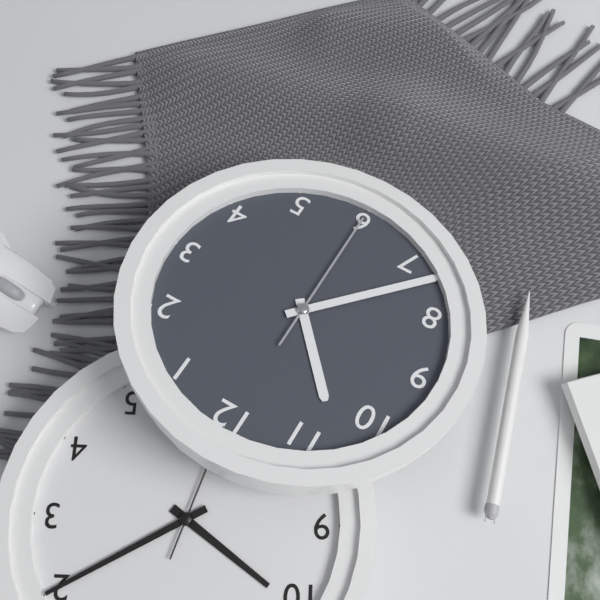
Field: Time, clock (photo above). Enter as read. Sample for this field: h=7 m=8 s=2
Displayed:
h=10 m=37 s=30
